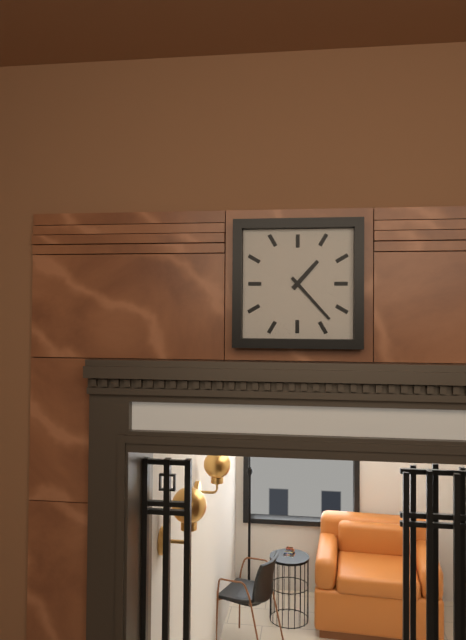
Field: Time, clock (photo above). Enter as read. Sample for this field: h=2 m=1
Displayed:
h=1 m=23
